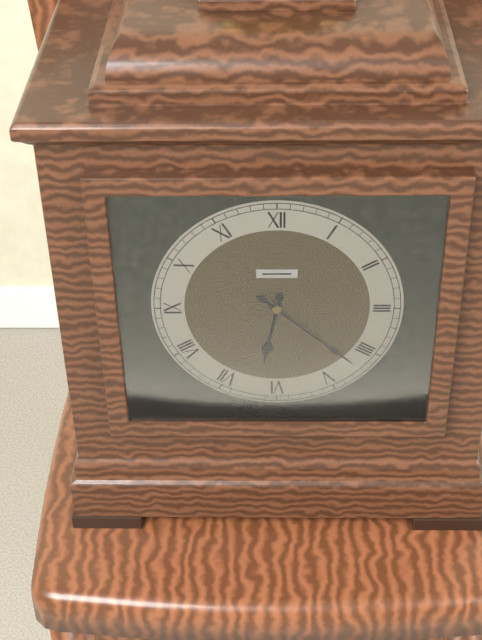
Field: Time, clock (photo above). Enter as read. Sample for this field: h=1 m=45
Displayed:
h=6 m=22
